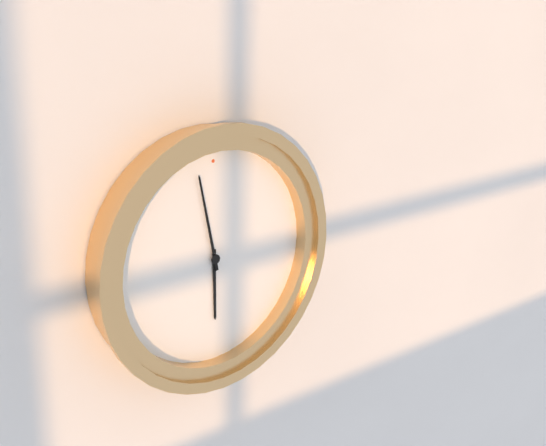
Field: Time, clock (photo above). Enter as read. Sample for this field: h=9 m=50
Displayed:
h=5 m=58
